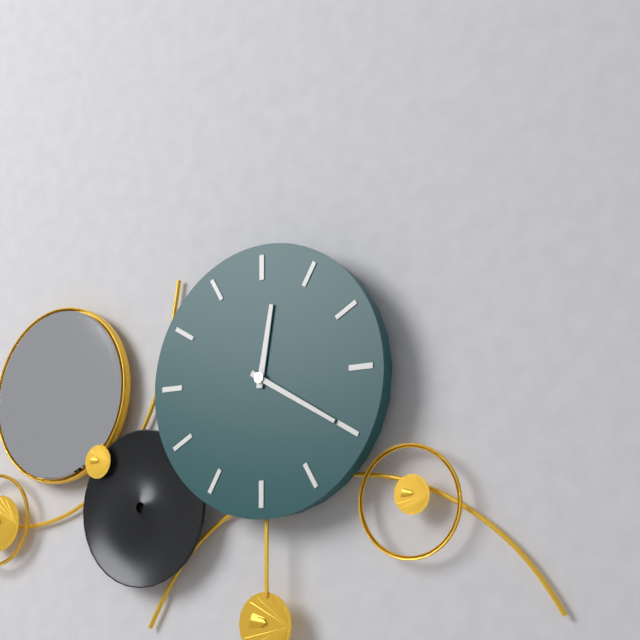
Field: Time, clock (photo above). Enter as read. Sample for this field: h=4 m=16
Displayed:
h=12 m=20
